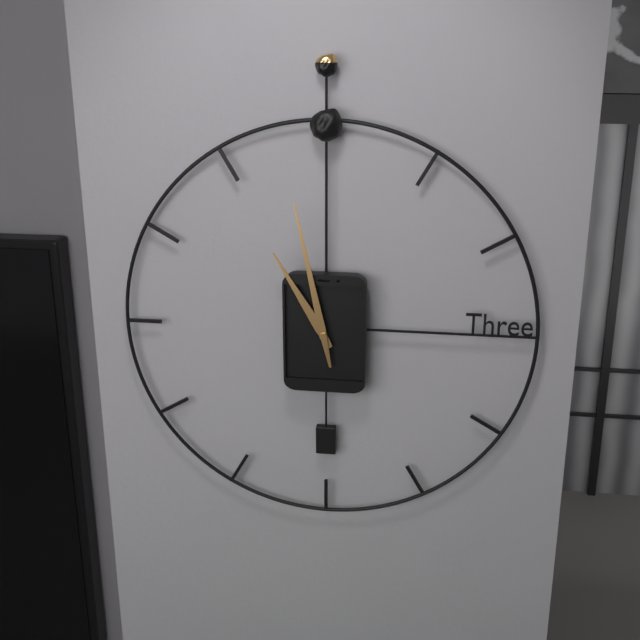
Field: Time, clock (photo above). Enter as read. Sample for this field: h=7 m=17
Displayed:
h=10 m=58
